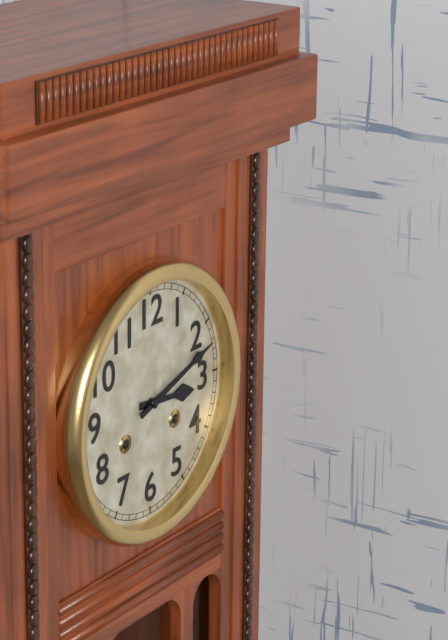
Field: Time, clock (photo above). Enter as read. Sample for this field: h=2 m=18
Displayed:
h=3 m=12
